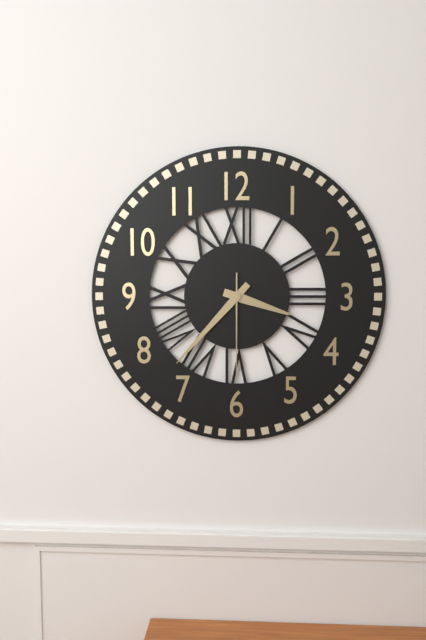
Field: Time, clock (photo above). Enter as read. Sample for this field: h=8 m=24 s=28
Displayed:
h=3 m=37 s=30
